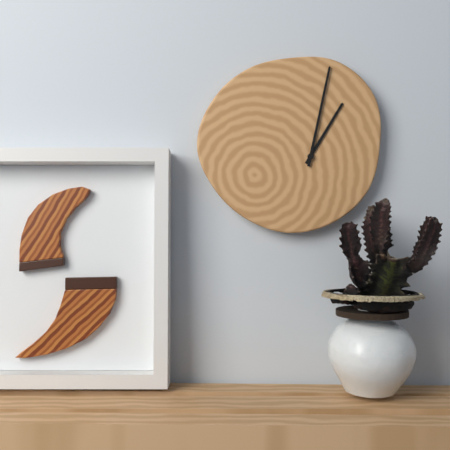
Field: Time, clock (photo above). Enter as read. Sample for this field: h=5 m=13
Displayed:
h=1 m=2
